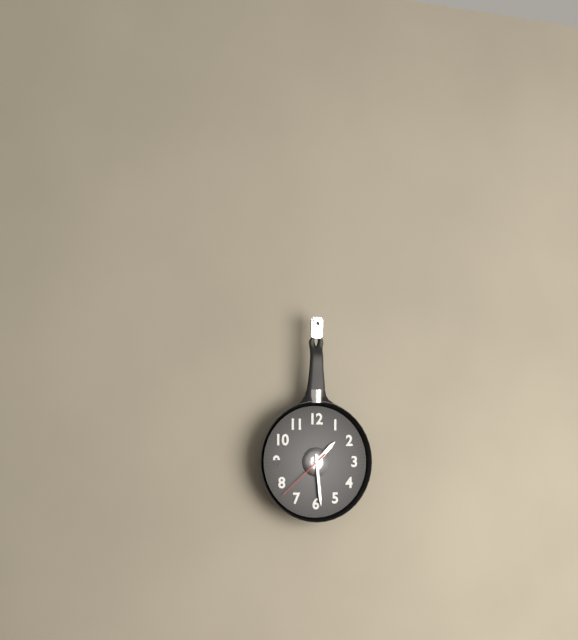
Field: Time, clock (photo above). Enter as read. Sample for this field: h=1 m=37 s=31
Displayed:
h=1 m=29 s=38
